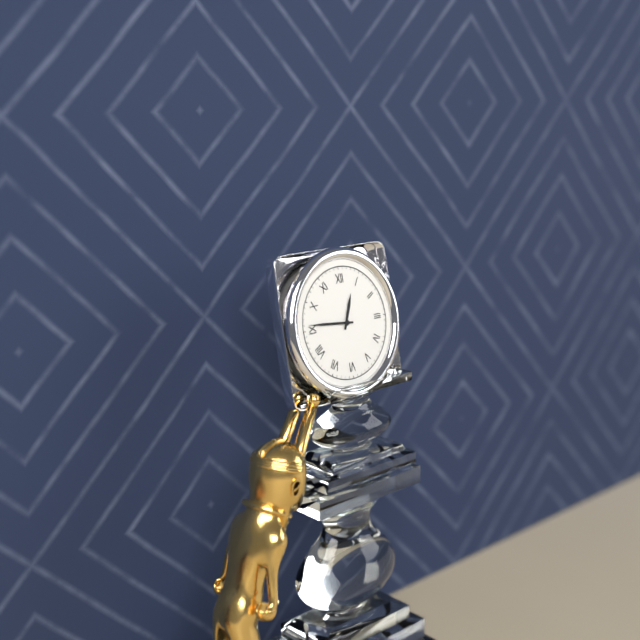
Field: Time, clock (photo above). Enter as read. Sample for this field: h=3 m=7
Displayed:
h=12 m=46
